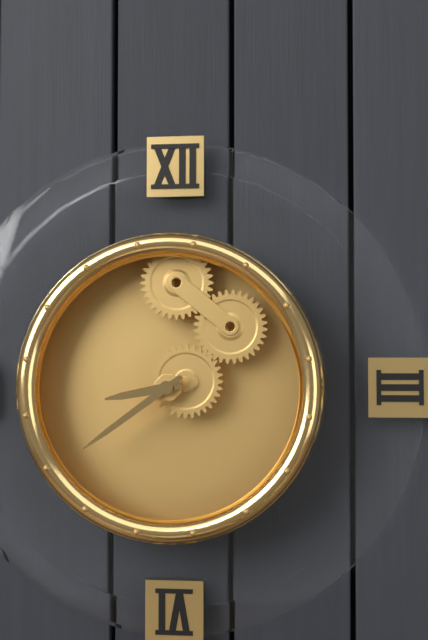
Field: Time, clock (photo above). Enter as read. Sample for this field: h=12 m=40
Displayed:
h=8 m=39
